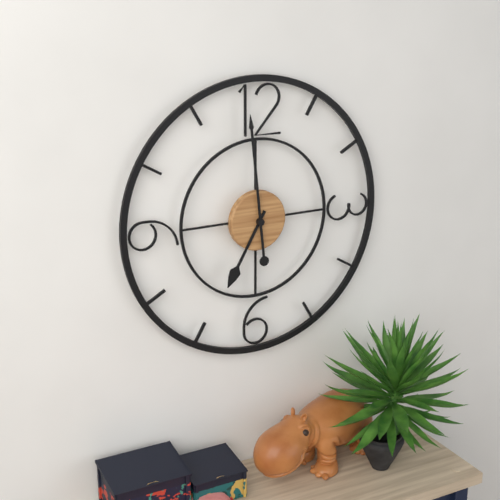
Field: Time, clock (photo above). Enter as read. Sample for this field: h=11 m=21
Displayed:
h=6 m=59
